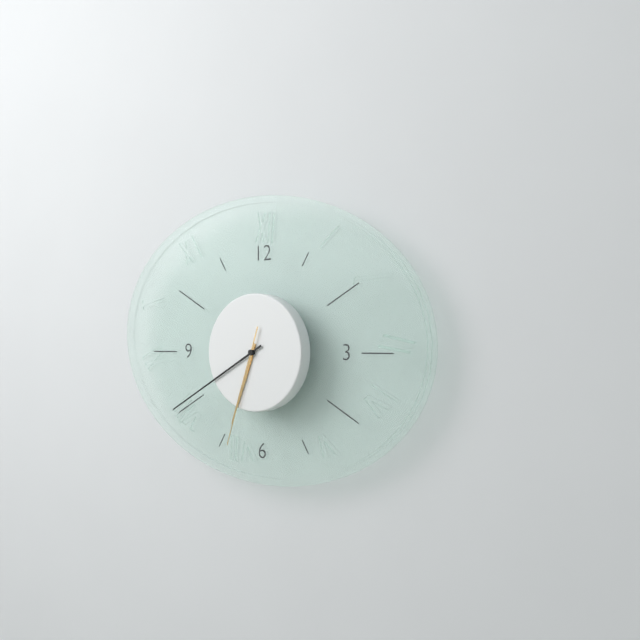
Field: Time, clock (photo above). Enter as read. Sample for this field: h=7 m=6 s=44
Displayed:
h=6 m=40 s=33
